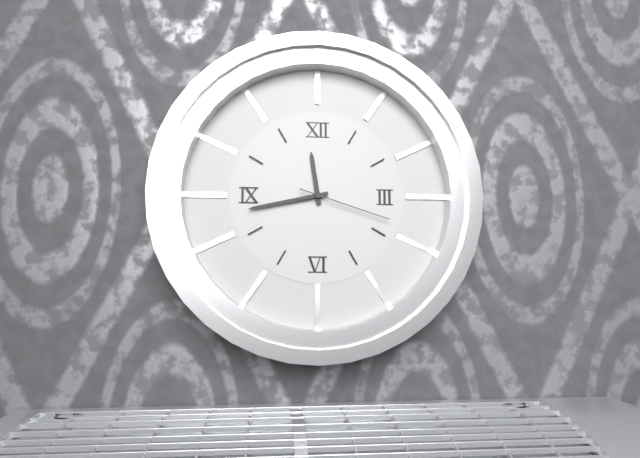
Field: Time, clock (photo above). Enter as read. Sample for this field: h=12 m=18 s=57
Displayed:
h=11 m=43 s=18
